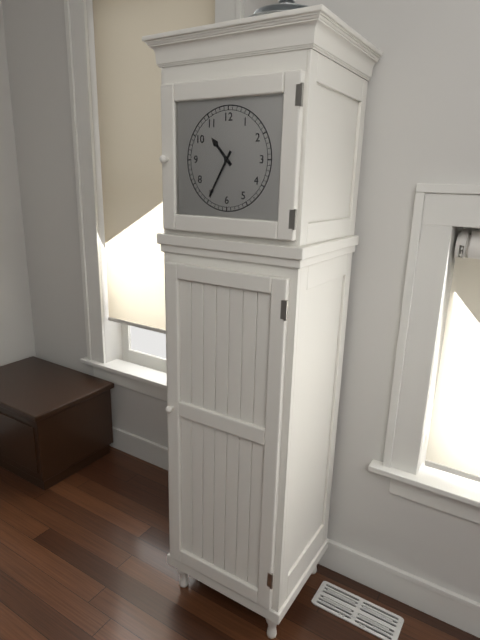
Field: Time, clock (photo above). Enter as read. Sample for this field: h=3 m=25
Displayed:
h=10 m=35
